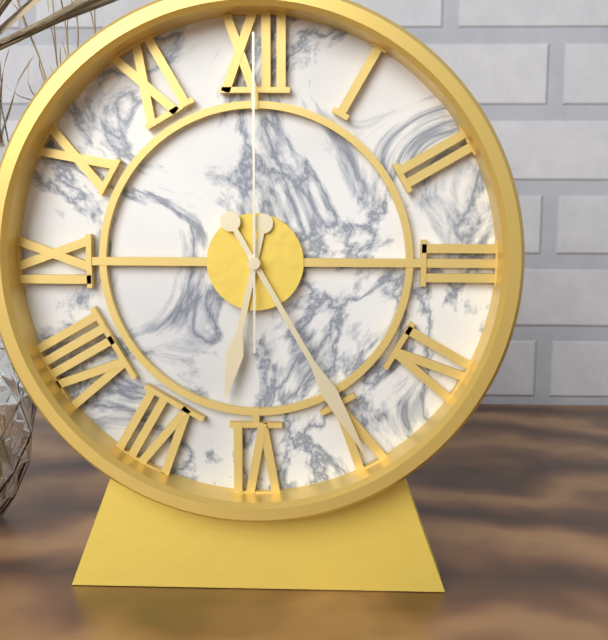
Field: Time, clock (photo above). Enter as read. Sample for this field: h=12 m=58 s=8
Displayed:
h=6 m=25 s=0
